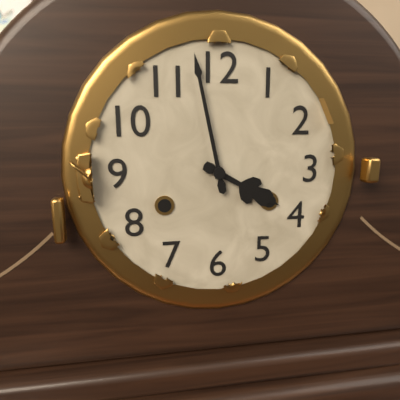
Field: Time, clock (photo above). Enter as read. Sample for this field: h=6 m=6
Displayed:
h=3 m=58
